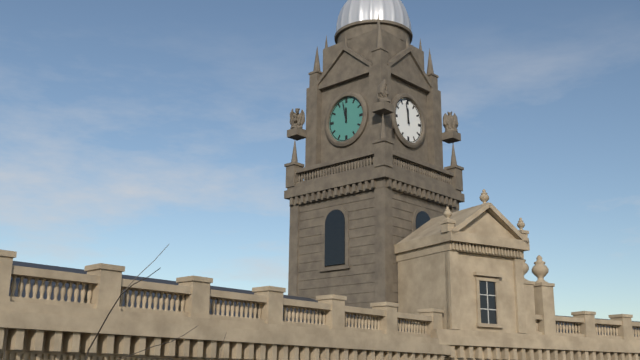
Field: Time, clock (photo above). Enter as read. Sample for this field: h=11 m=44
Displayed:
h=11 m=58
